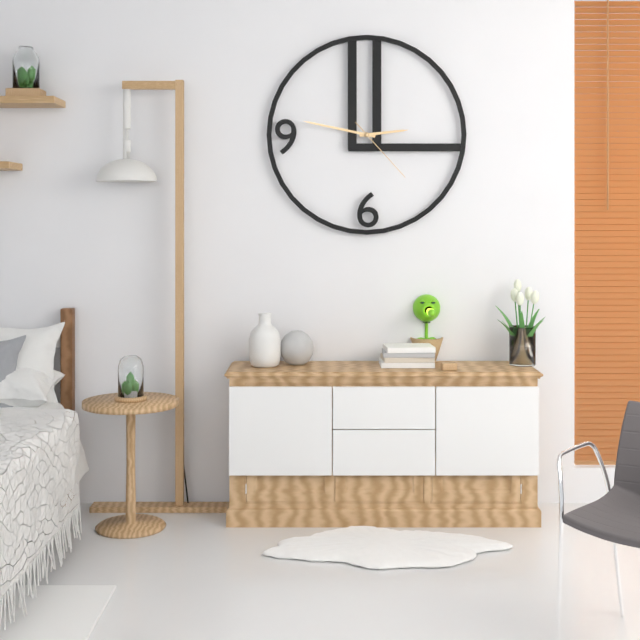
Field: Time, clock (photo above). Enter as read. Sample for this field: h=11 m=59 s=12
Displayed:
h=2 m=47 s=23
